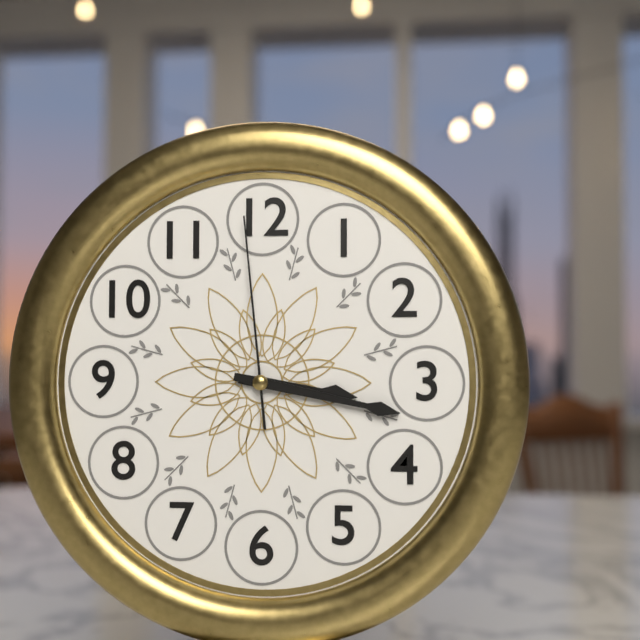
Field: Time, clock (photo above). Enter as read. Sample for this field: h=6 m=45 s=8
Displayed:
h=3 m=17 s=59
